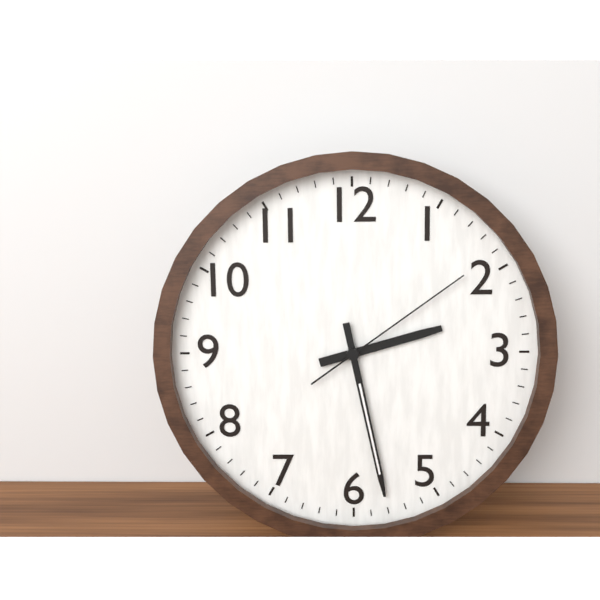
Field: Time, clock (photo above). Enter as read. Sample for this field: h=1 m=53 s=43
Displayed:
h=2 m=28 s=9
